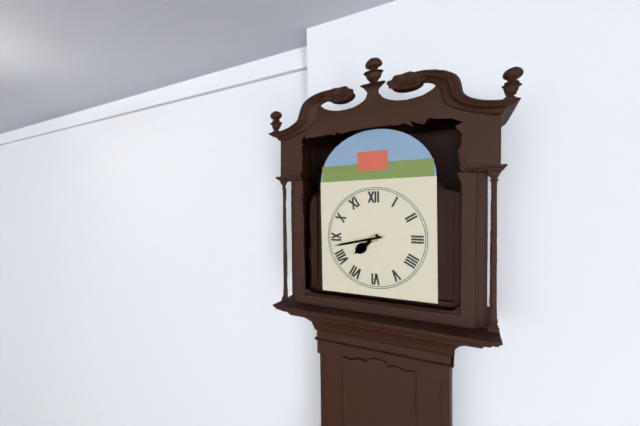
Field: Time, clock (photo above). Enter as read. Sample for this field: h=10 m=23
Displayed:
h=7 m=43
